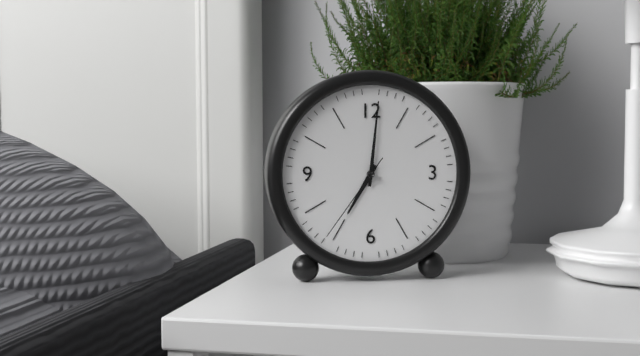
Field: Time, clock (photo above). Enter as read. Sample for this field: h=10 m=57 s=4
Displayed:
h=7 m=1 s=36
